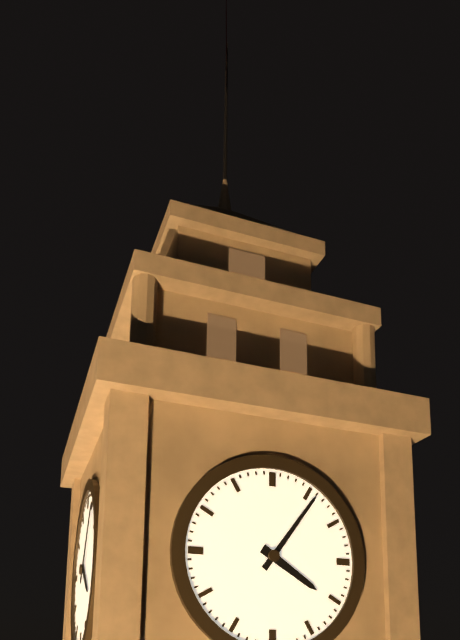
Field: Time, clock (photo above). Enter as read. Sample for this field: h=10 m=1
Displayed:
h=4 m=6
